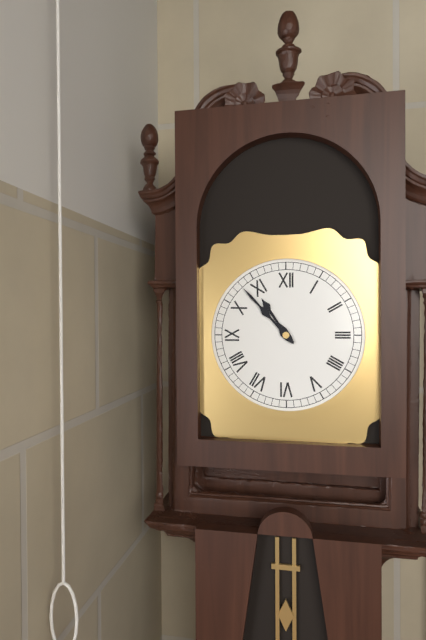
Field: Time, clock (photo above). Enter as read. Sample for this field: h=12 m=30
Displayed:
h=10 m=53
